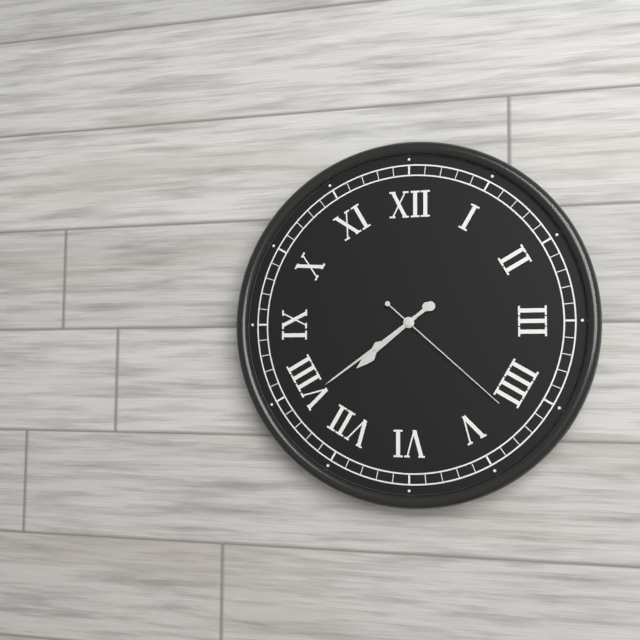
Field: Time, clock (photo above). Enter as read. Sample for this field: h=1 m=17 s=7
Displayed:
h=7 m=39 s=22
